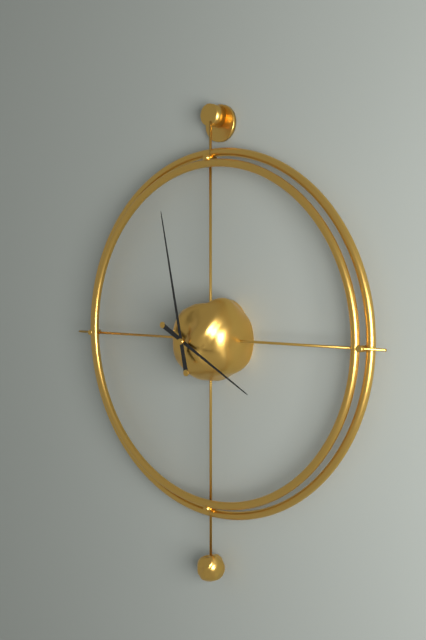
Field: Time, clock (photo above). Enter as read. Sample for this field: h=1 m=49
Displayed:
h=3 m=58
